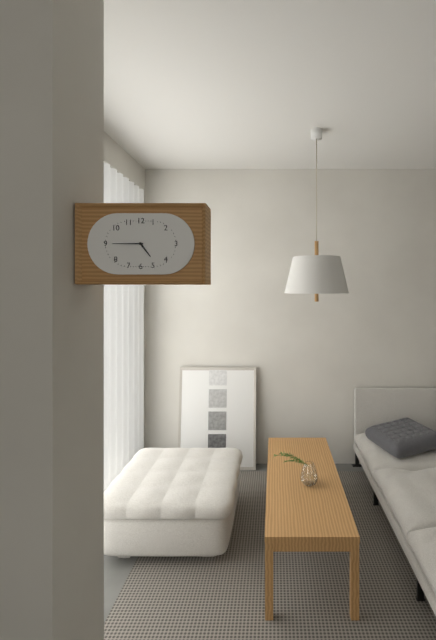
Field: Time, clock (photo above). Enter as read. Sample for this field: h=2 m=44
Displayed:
h=4 m=45
